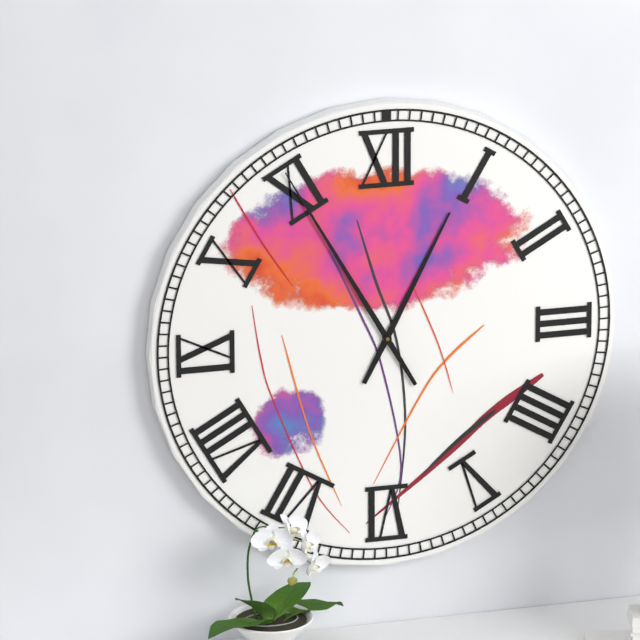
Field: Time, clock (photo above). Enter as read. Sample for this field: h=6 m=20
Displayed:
h=12 m=55
